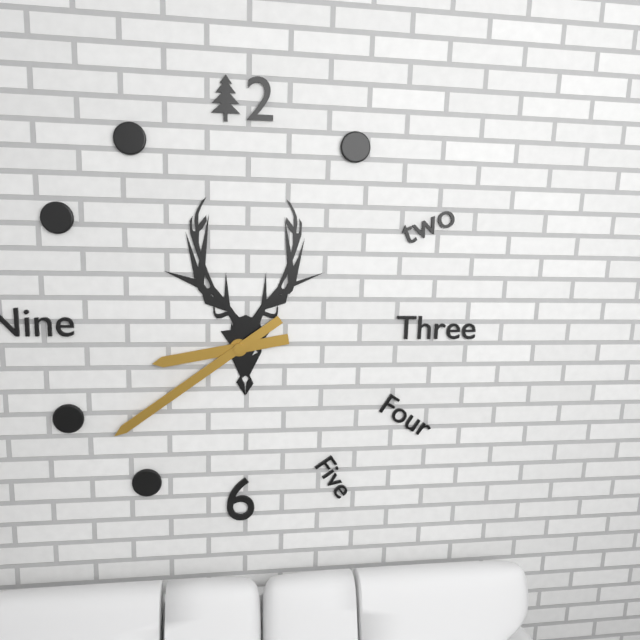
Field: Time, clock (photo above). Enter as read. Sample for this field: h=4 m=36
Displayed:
h=8 m=39
